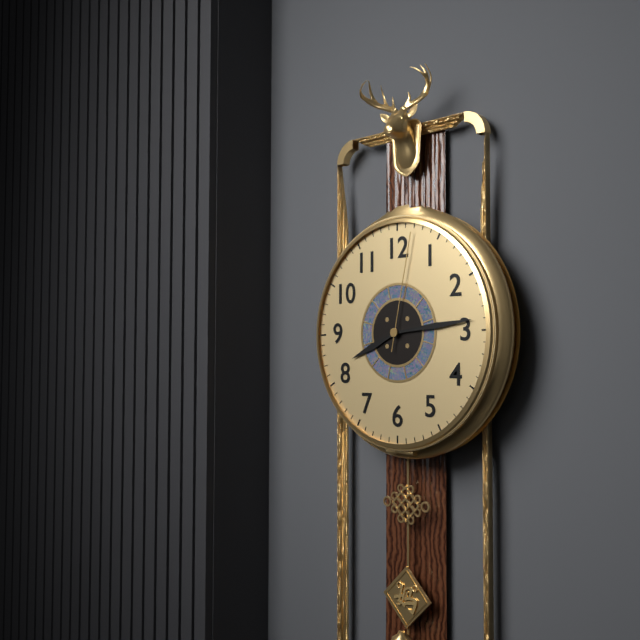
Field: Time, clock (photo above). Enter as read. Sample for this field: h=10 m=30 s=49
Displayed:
h=8 m=14 s=2
